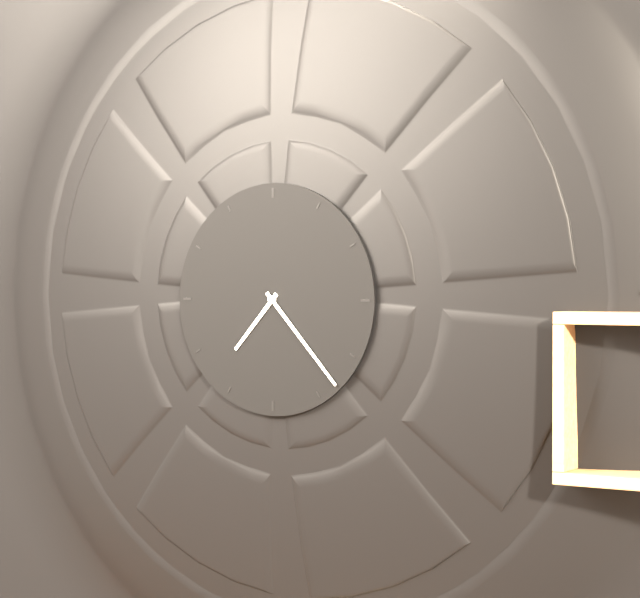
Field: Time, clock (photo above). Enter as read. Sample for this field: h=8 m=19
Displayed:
h=7 m=23
